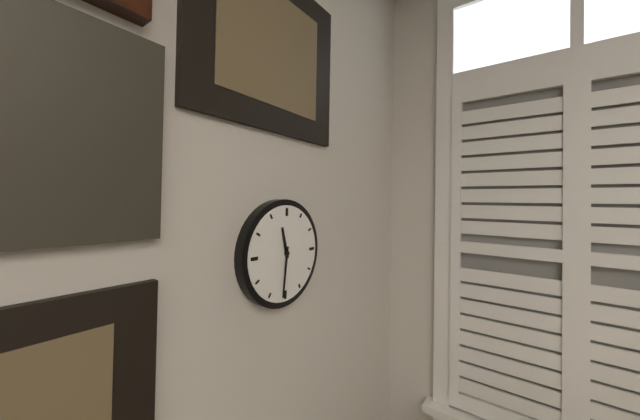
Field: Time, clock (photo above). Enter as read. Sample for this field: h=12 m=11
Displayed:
h=11 m=31
